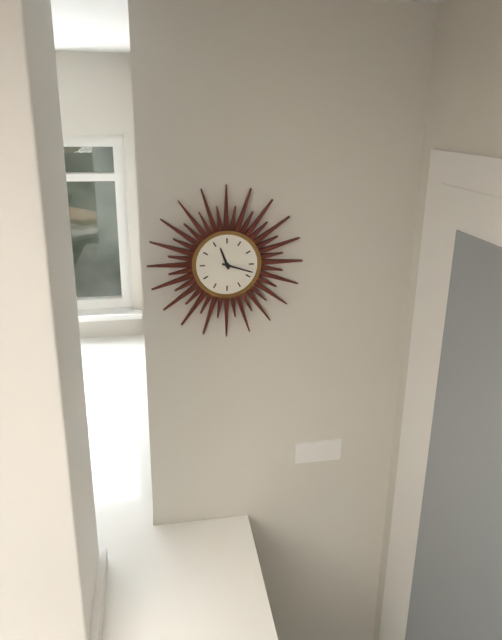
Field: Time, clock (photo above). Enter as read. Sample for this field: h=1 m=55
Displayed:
h=11 m=18
